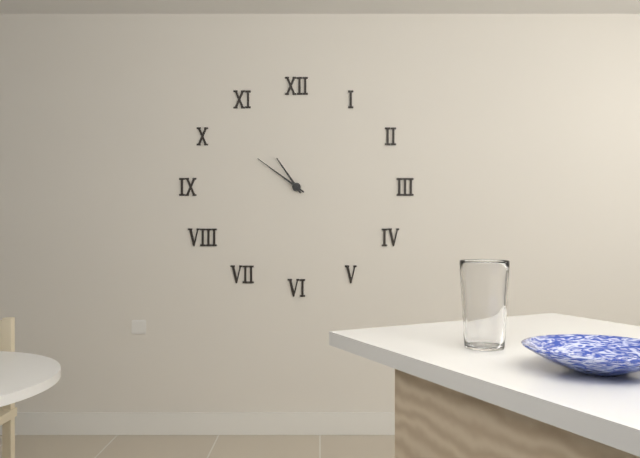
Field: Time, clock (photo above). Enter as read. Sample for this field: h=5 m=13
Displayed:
h=10 m=51
